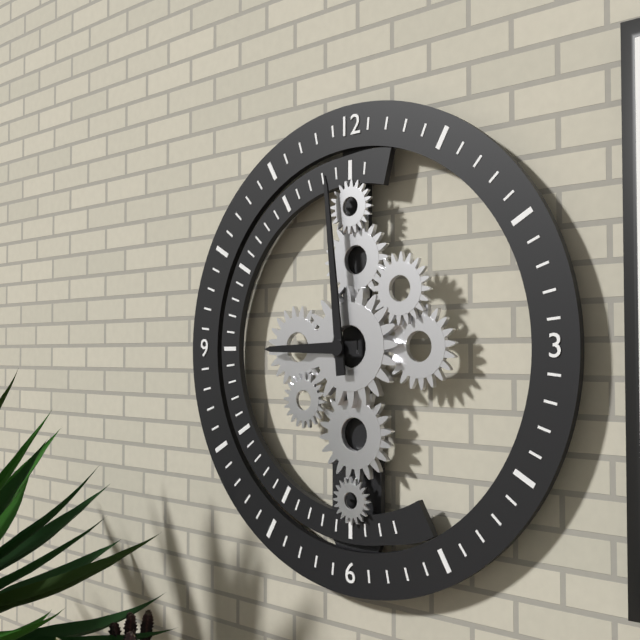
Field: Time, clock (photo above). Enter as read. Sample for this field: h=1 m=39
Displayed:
h=8 m=59
